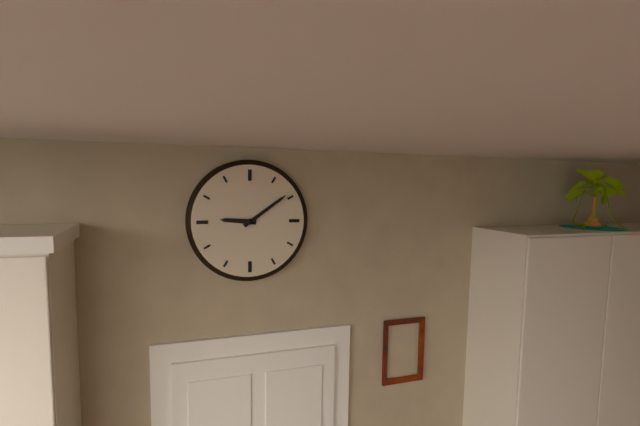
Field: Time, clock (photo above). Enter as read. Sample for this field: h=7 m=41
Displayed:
h=9 m=9
